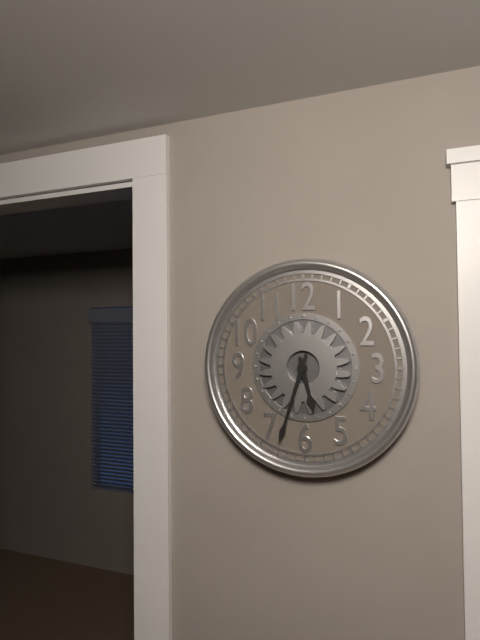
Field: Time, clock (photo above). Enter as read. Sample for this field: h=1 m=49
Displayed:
h=5 m=33
